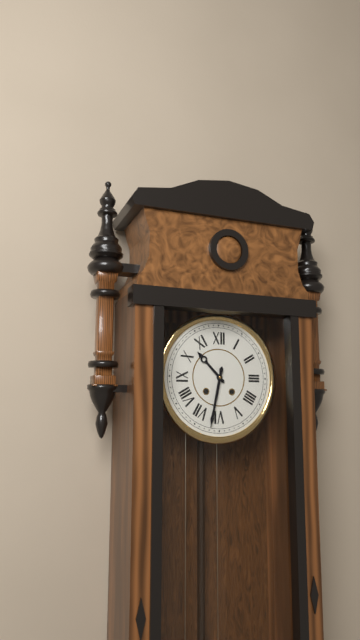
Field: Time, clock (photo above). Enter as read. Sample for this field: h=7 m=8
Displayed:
h=10 m=32
